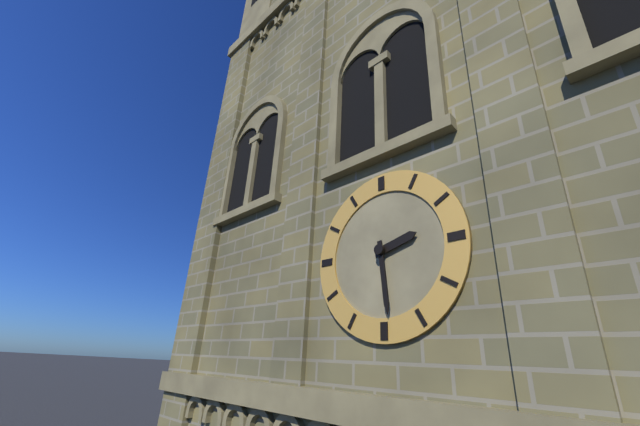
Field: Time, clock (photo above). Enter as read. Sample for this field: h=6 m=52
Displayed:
h=2 m=29
